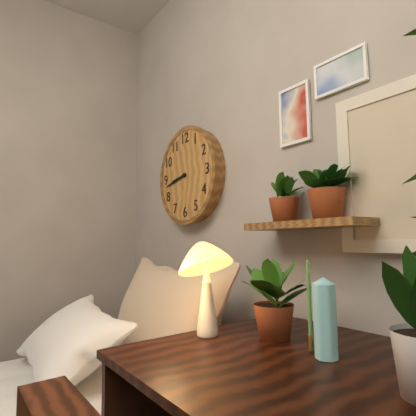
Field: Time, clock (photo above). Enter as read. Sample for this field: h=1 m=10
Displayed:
h=8 m=43
